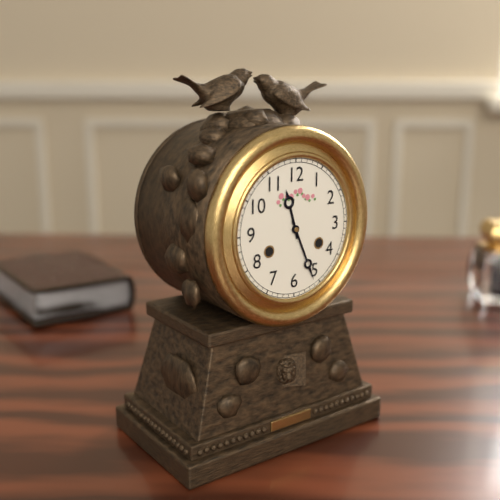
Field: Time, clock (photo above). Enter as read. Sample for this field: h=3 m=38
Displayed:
h=11 m=26
